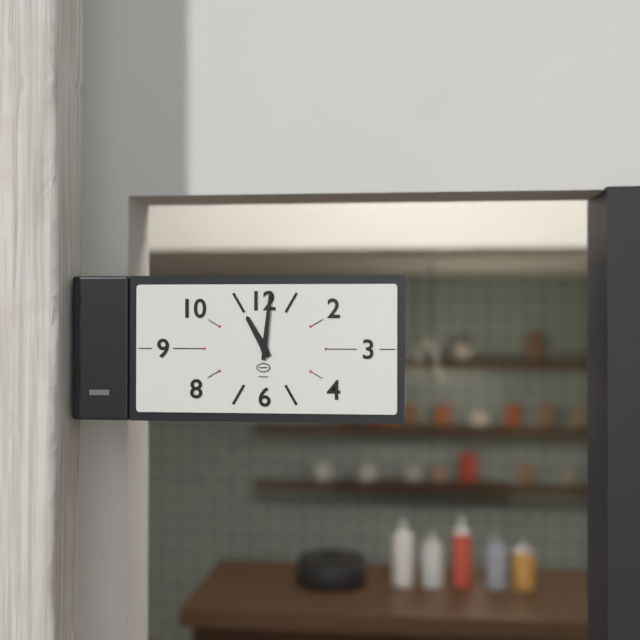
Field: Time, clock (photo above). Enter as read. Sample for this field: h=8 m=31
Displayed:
h=11 m=1
